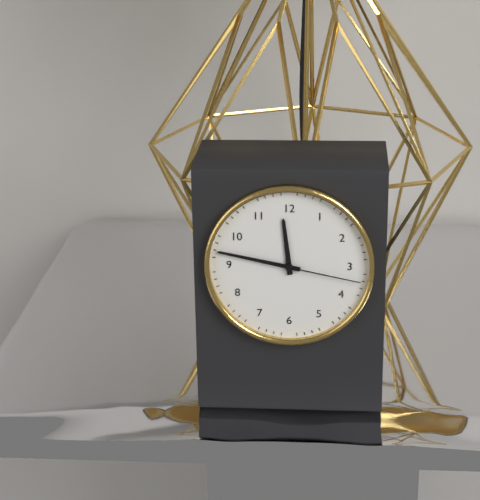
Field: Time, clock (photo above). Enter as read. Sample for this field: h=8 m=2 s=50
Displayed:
h=11 m=47 s=17
